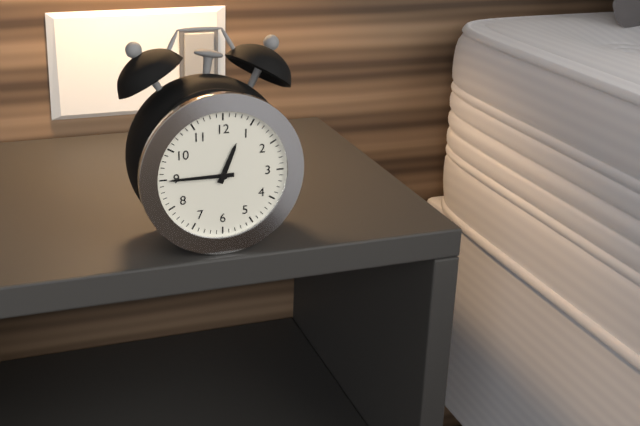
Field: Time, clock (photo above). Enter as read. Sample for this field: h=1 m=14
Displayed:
h=12 m=45
